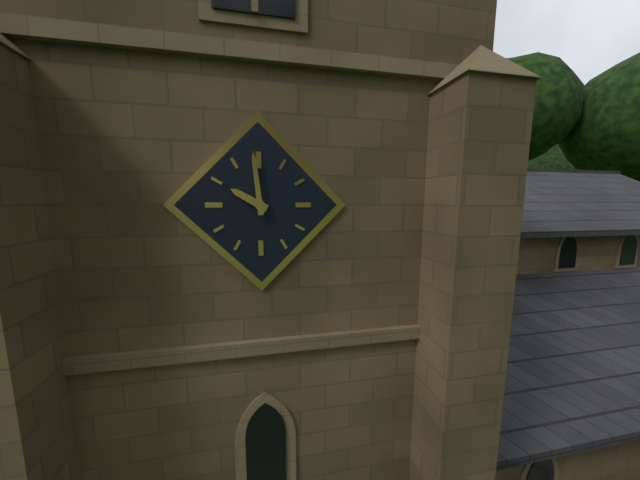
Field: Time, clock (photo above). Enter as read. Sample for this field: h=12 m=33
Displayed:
h=9 m=59
